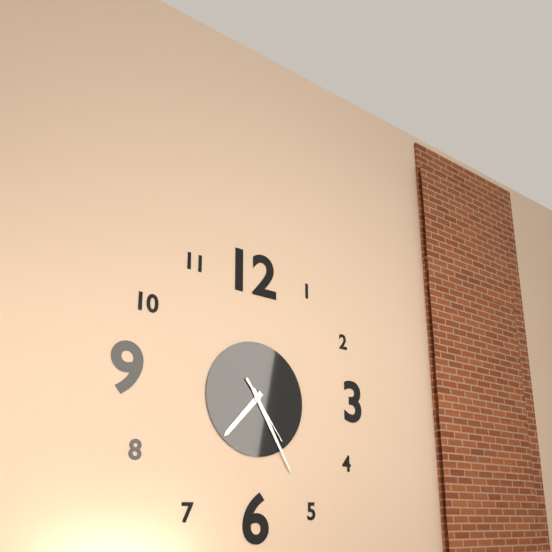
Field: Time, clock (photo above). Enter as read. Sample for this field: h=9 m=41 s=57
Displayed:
h=7 m=25 s=24
